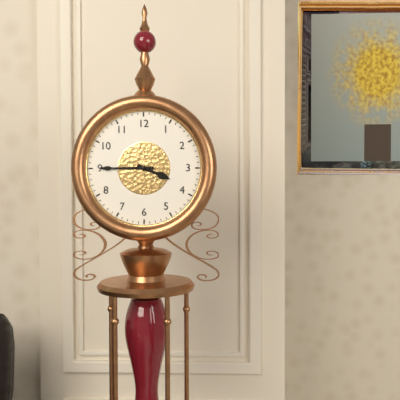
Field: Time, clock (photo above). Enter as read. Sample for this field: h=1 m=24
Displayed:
h=3 m=45
